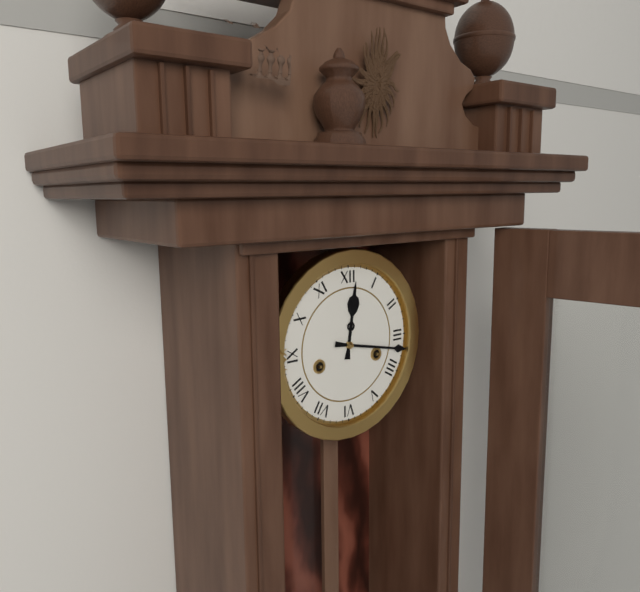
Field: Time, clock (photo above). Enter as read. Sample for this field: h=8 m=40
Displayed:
h=12 m=17
